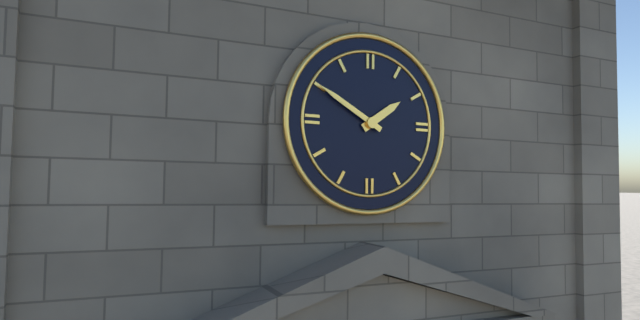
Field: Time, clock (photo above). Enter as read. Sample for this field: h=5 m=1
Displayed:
h=1 m=50
